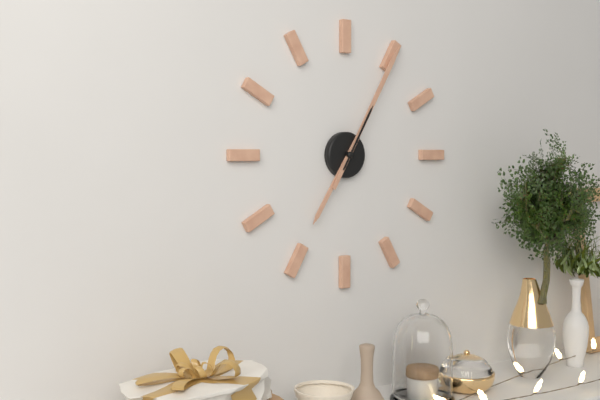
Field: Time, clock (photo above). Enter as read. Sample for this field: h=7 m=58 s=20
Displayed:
h=7 m=5 s=5
